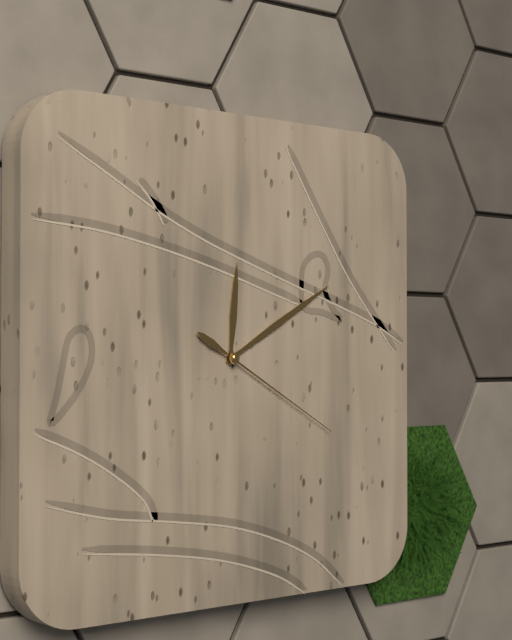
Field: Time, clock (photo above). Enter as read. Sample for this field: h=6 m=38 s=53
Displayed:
h=12 m=10 s=20
